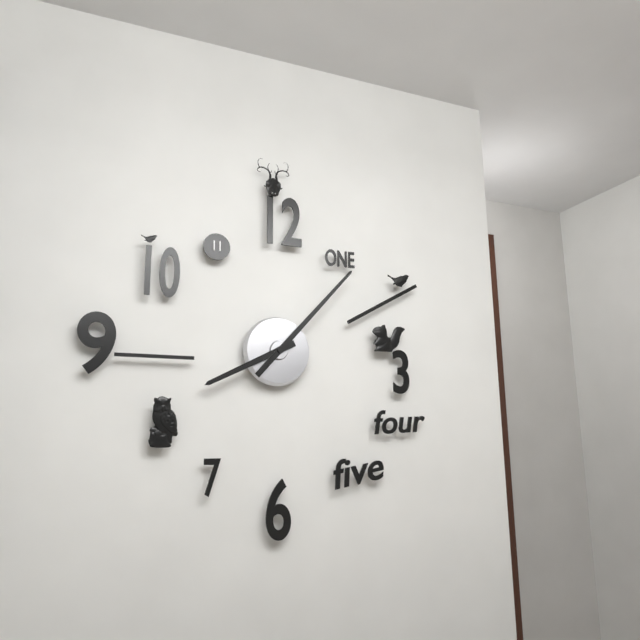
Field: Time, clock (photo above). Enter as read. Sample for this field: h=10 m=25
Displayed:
h=8 m=7
